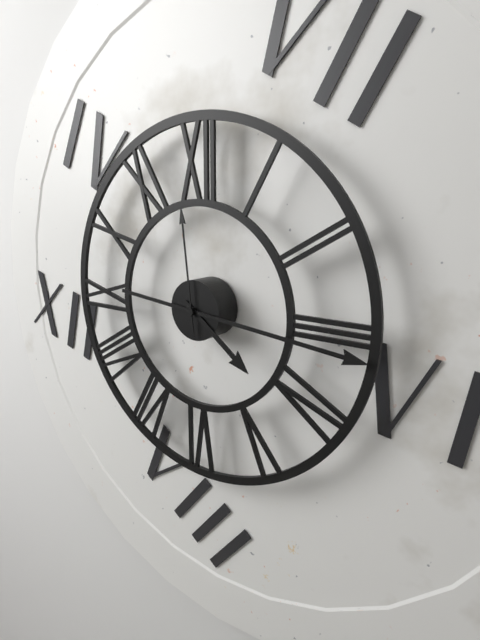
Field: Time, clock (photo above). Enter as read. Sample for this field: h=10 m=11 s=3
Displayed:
h=4 m=16 s=59
